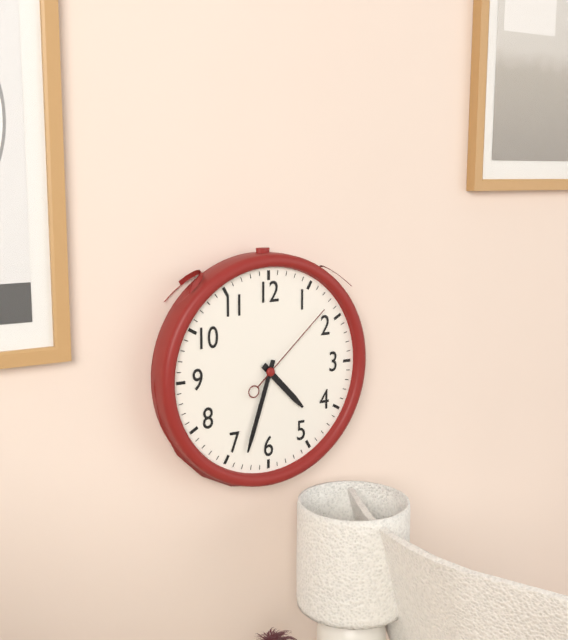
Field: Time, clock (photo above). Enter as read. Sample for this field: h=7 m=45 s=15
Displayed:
h=4 m=33 s=8
